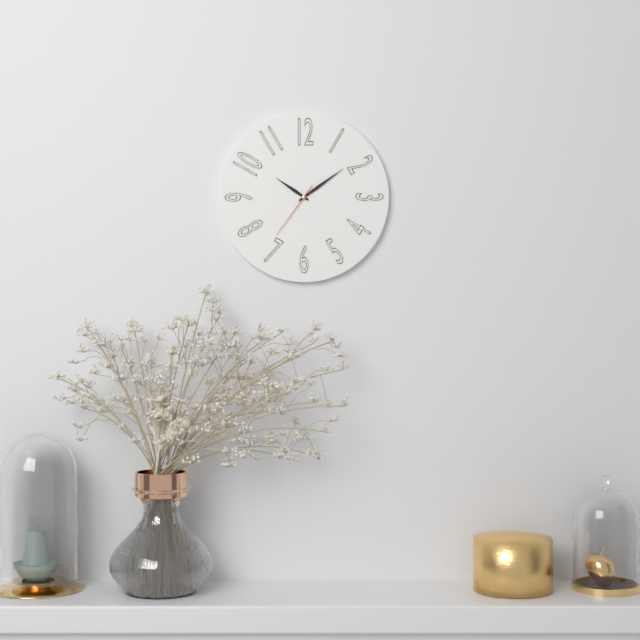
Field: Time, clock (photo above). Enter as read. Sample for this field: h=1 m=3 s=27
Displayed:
h=10 m=9 s=36
